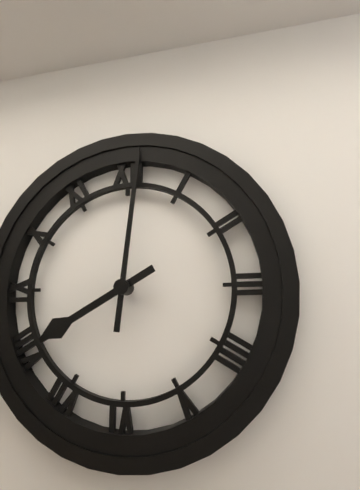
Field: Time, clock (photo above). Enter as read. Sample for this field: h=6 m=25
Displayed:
h=8 m=1
